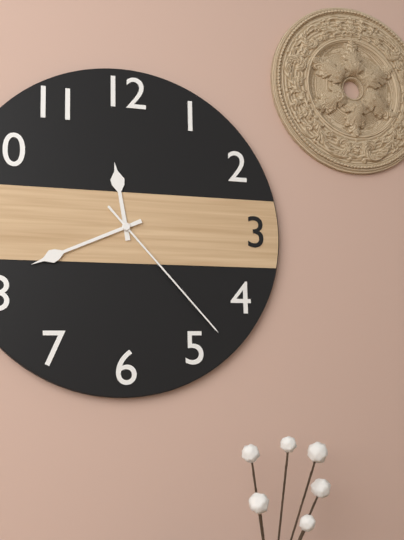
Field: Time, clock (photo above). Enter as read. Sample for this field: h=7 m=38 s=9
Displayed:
h=11 m=41 s=23
